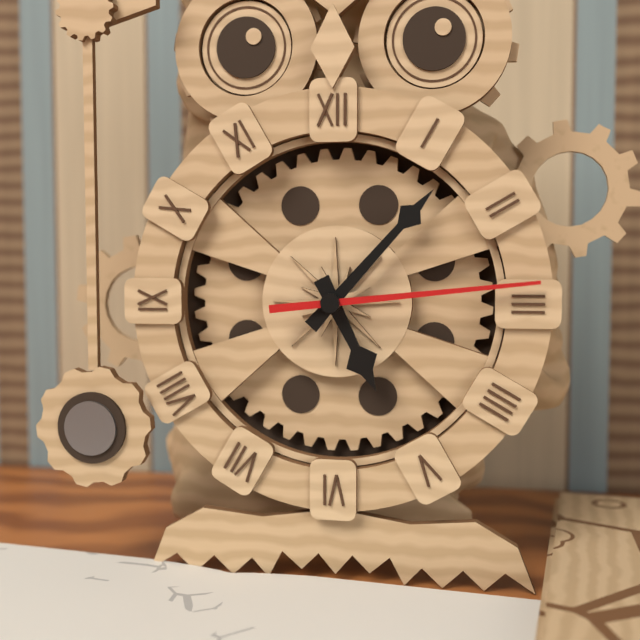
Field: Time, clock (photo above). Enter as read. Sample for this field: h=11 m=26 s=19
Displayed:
h=5 m=7 s=14
